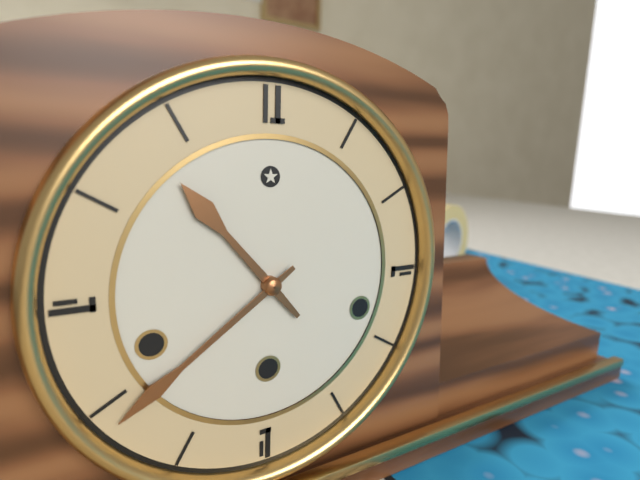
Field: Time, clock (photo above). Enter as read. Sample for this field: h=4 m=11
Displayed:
h=10 m=39
